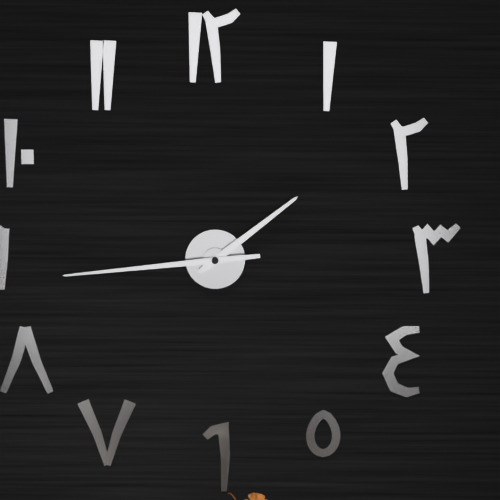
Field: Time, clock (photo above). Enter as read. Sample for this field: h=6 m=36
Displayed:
h=1 m=44
